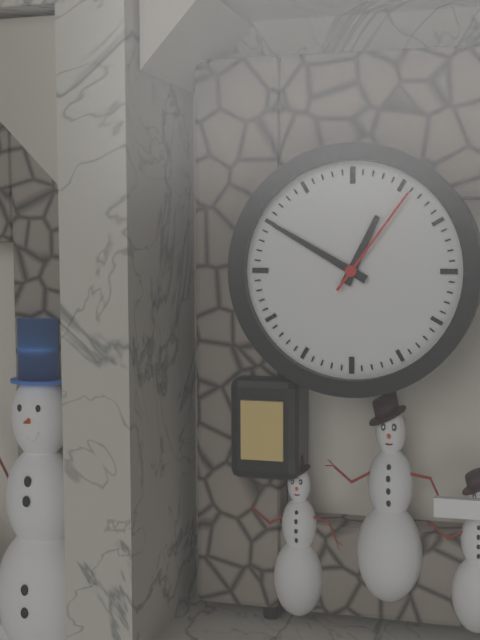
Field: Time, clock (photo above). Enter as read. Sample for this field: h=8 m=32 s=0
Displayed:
h=12 m=50 s=6
